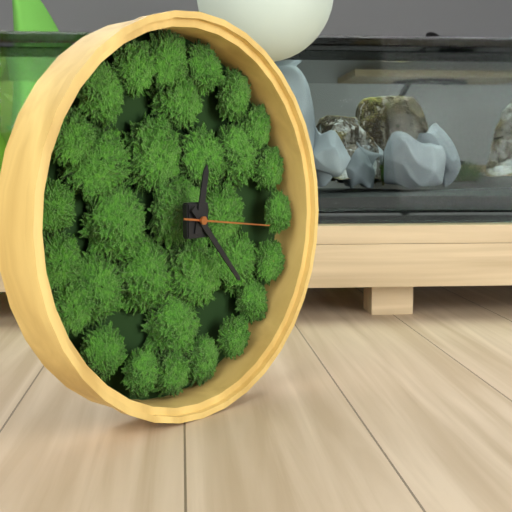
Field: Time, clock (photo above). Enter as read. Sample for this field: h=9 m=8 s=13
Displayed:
h=12 m=23 s=16
